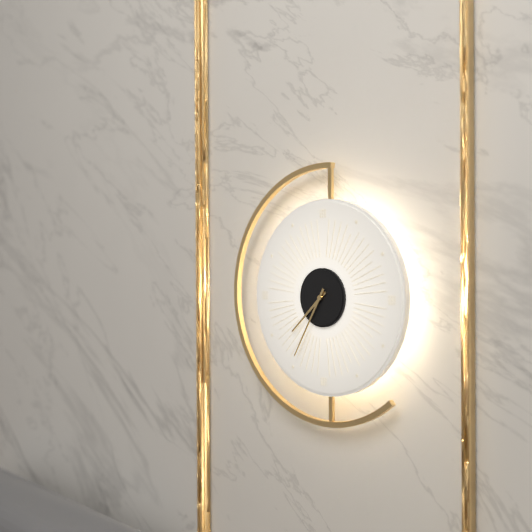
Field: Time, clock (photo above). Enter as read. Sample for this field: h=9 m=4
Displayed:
h=7 m=35
